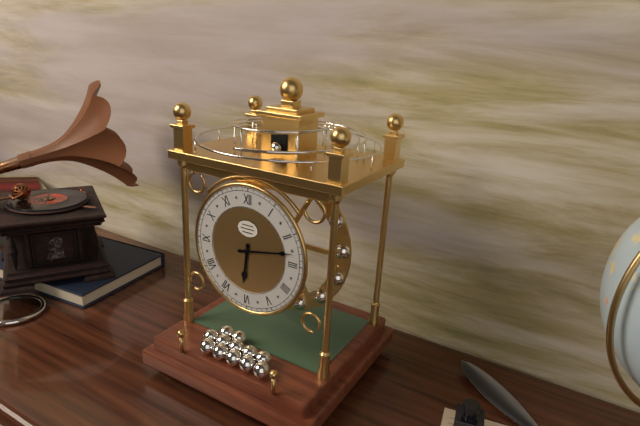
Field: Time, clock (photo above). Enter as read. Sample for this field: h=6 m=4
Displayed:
h=6 m=13
